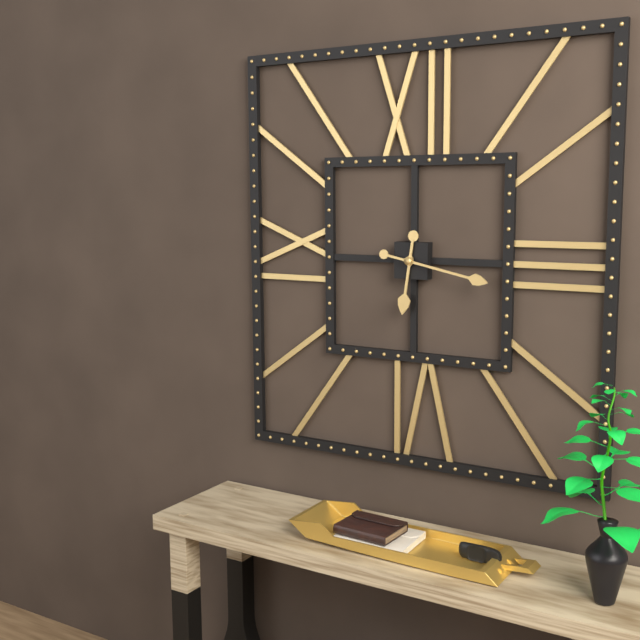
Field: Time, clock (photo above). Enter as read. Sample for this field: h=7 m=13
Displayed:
h=6 m=17
